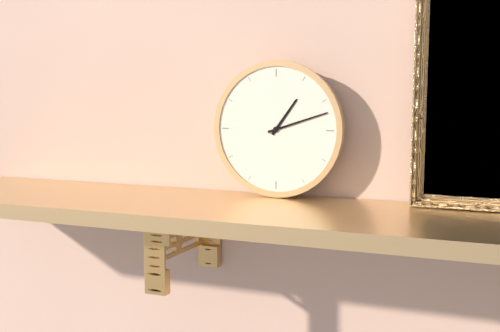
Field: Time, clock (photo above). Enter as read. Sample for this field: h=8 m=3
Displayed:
h=1 m=12
